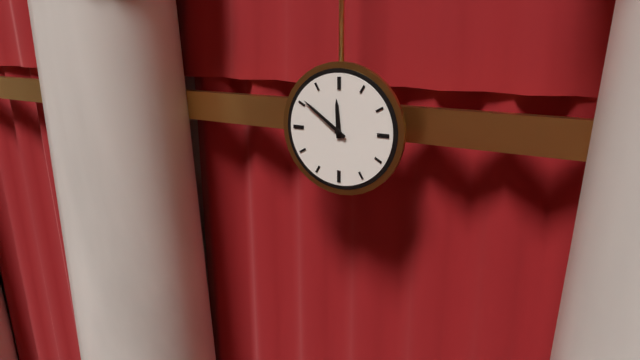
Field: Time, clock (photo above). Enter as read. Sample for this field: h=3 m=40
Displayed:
h=11 m=51
